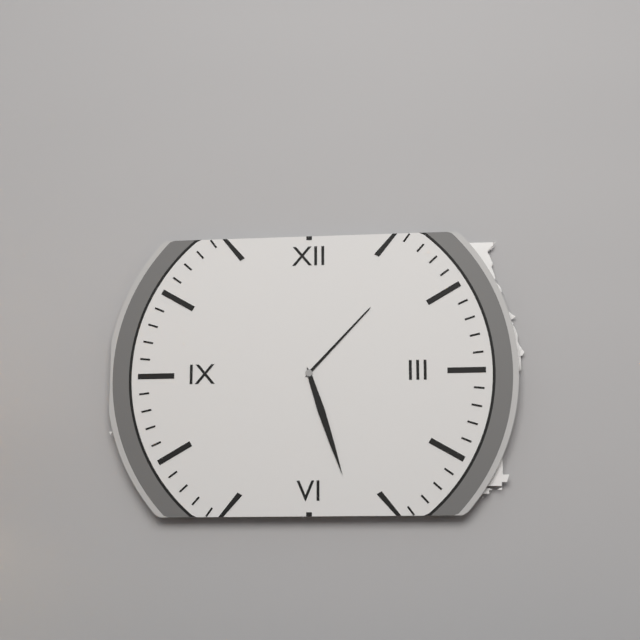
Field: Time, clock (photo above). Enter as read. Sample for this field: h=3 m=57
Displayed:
h=1 m=27
